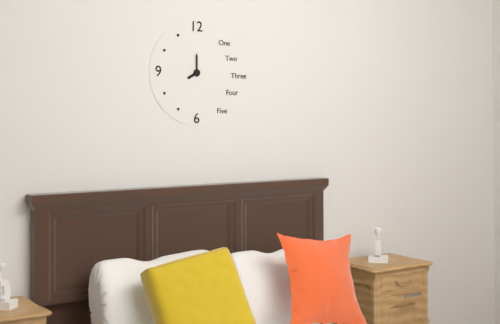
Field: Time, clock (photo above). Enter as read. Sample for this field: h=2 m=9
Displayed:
h=8 m=0
